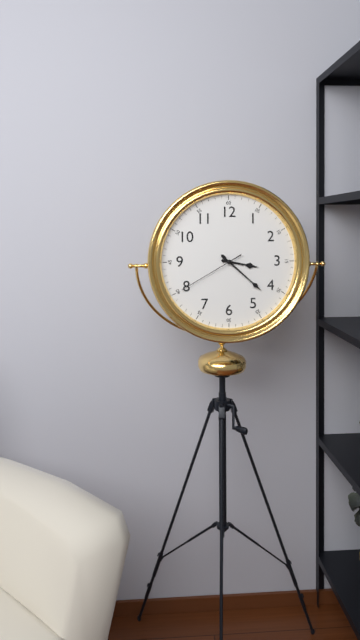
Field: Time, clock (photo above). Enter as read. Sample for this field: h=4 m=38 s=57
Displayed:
h=3 m=22 s=40
